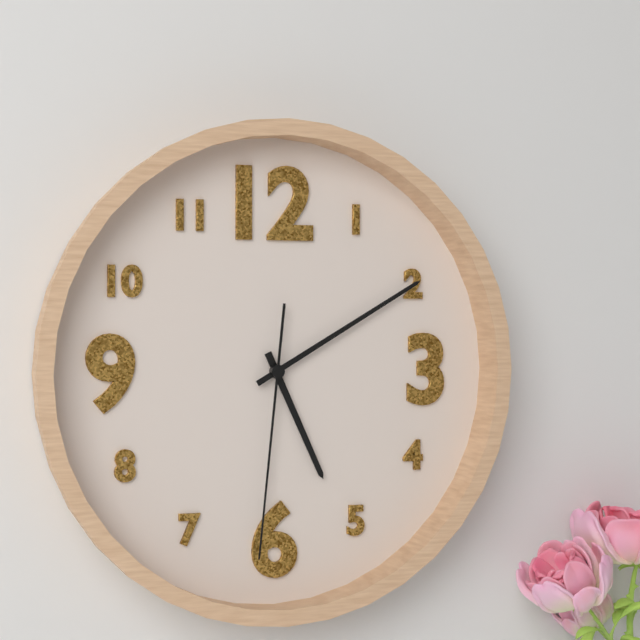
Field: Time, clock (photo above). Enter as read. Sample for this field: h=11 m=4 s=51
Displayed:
h=5 m=10 s=31
